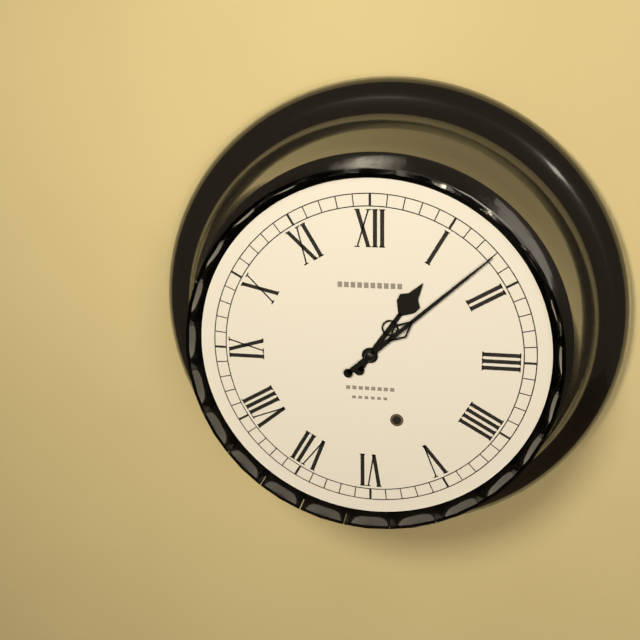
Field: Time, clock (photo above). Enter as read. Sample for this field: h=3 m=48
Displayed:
h=1 m=8
